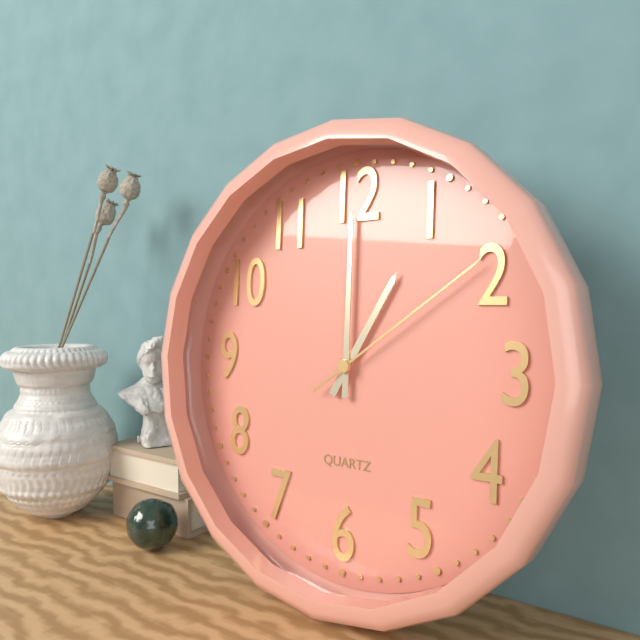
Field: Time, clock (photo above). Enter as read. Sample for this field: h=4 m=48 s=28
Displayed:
h=1 m=0 s=9
